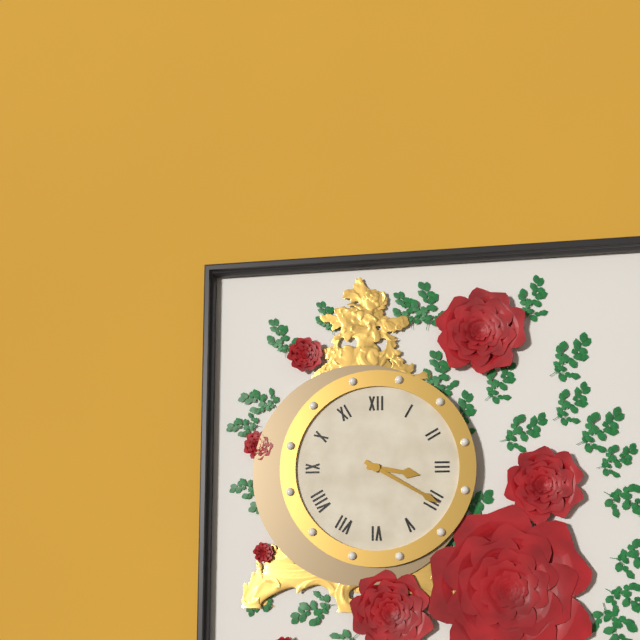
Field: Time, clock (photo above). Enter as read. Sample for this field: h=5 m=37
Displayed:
h=3 m=20
